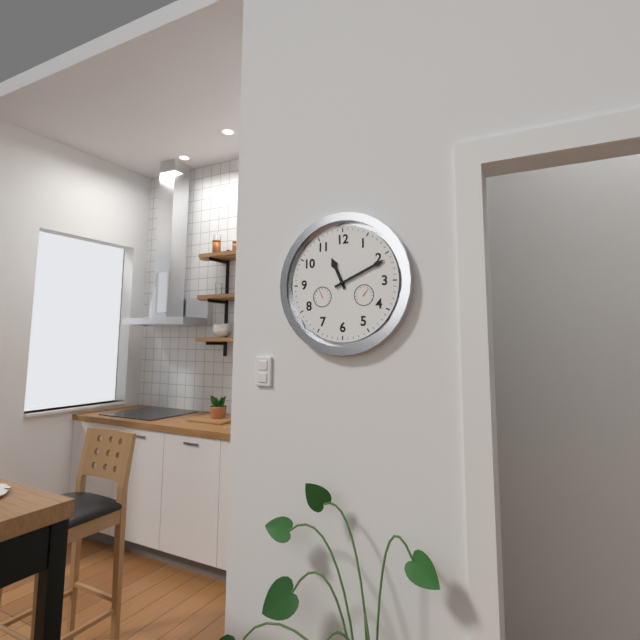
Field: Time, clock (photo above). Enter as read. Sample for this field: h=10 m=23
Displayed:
h=11 m=11
